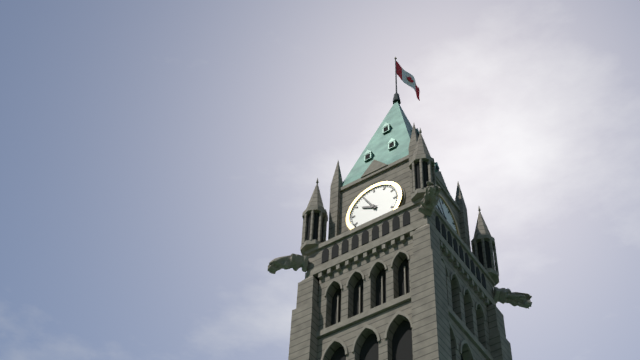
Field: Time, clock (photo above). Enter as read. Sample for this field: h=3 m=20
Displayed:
h=9 m=55
